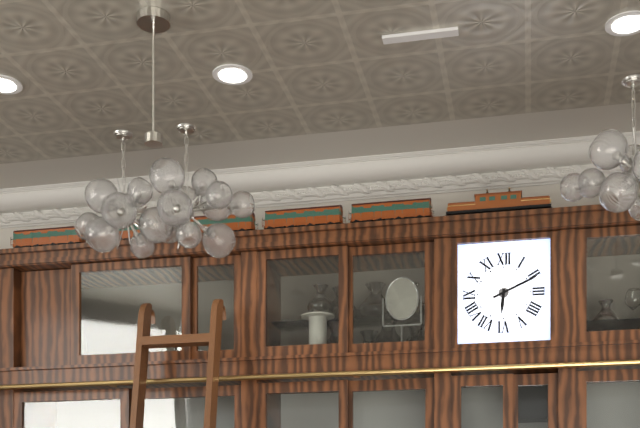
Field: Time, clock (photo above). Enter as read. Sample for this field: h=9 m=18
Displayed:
h=6 m=11
